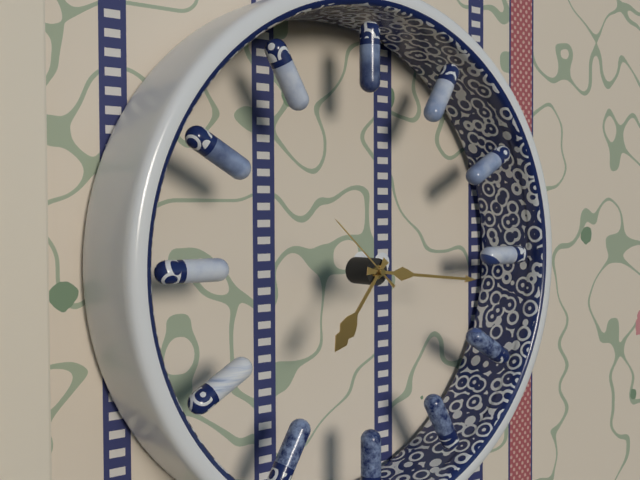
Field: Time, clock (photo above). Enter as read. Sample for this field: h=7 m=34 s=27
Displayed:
h=7 m=16 s=52
